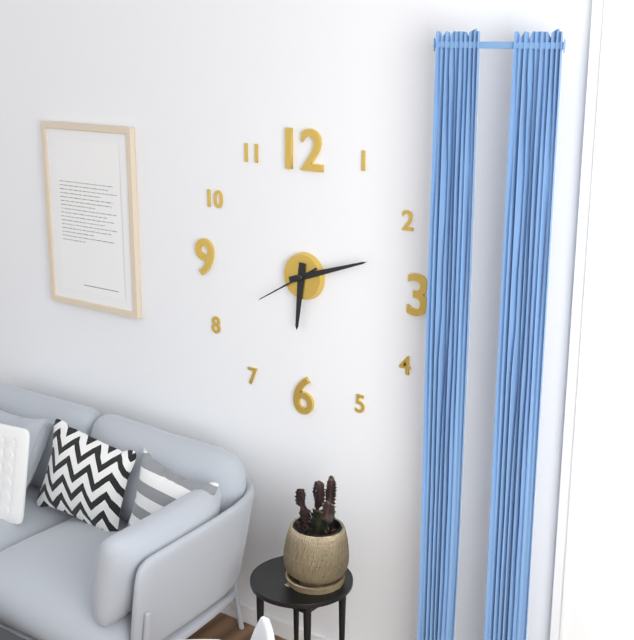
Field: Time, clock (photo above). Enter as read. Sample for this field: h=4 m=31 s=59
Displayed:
h=6 m=12 s=40
